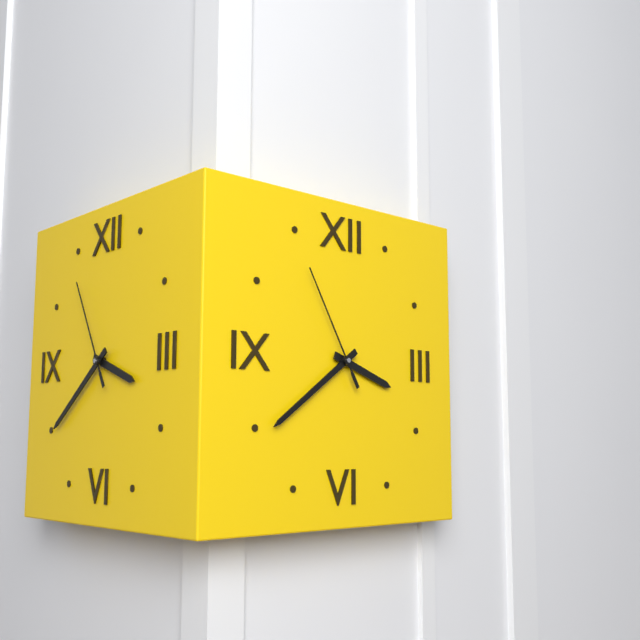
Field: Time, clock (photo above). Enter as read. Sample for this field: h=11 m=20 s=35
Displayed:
h=3 m=39 s=55
